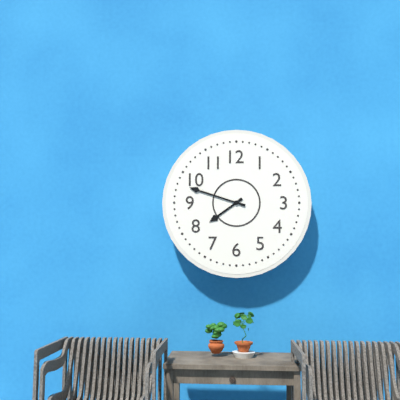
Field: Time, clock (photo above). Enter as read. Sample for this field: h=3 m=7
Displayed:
h=7 m=48
